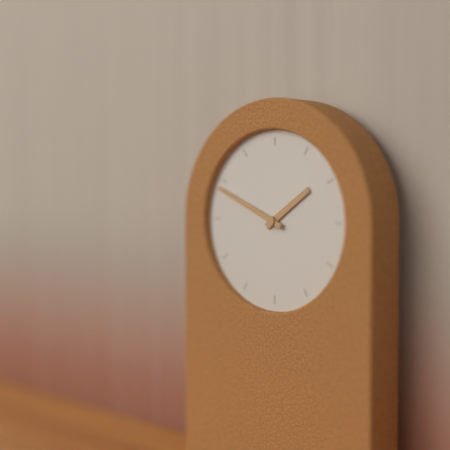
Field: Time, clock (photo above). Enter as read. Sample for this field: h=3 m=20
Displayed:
h=1 m=49
